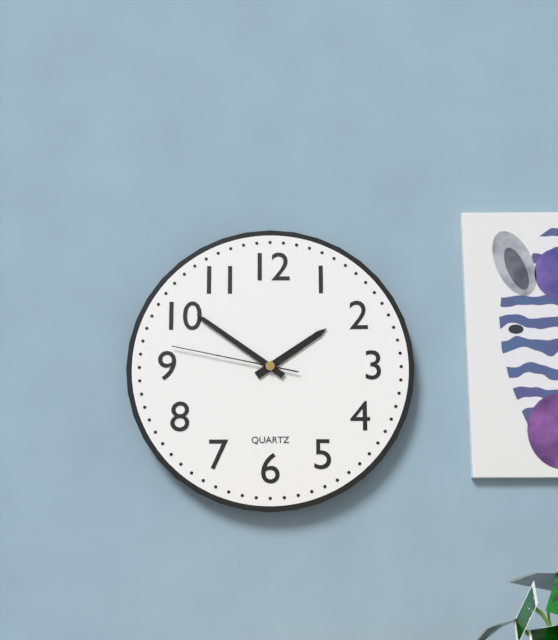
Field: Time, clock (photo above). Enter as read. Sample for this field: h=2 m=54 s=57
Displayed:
h=1 m=51 s=47
